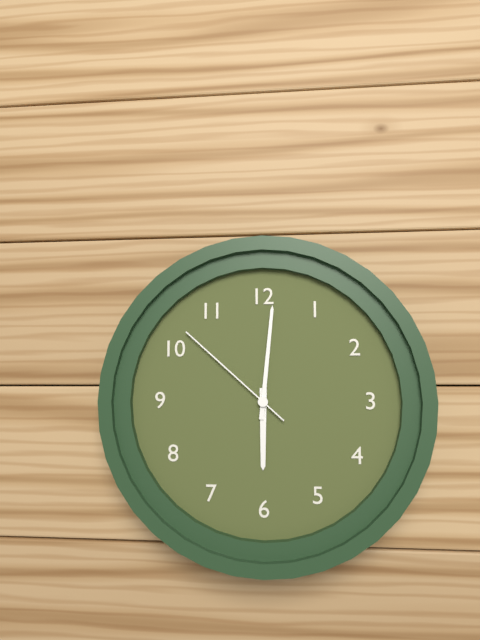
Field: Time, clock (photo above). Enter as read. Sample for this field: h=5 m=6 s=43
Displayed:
h=6 m=1 s=52
